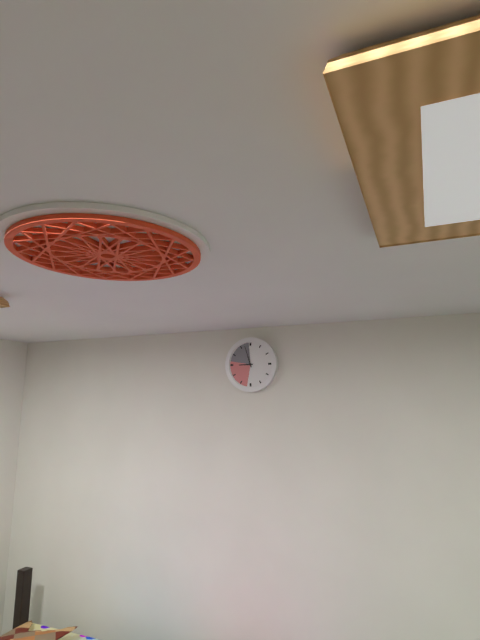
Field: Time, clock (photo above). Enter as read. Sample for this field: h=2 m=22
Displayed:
h=8 m=57
